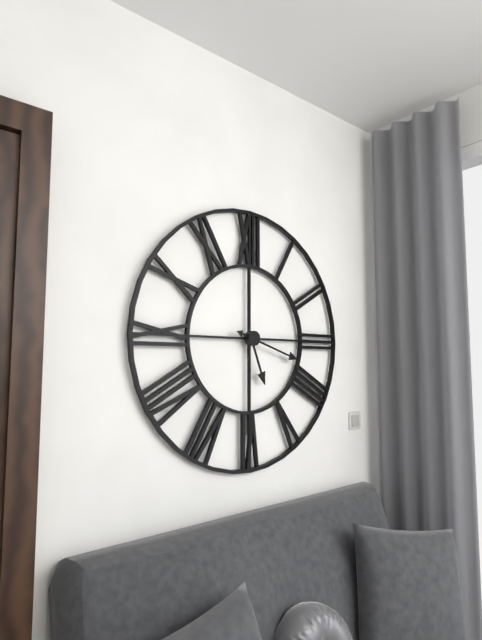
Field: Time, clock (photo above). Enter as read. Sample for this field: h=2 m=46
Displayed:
h=5 m=18
